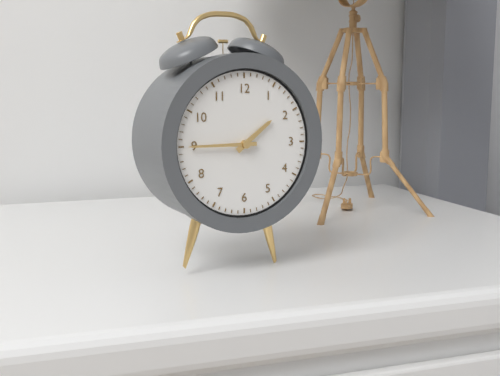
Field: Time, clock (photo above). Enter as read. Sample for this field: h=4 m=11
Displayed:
h=1 m=45
